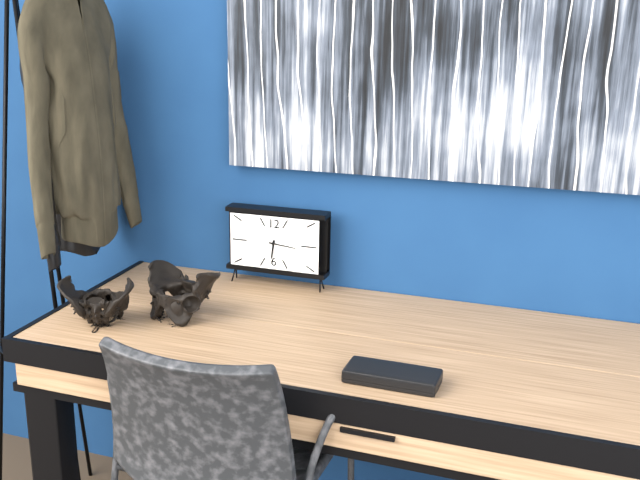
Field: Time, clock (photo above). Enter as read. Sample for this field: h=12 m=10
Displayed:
h=6 m=16
